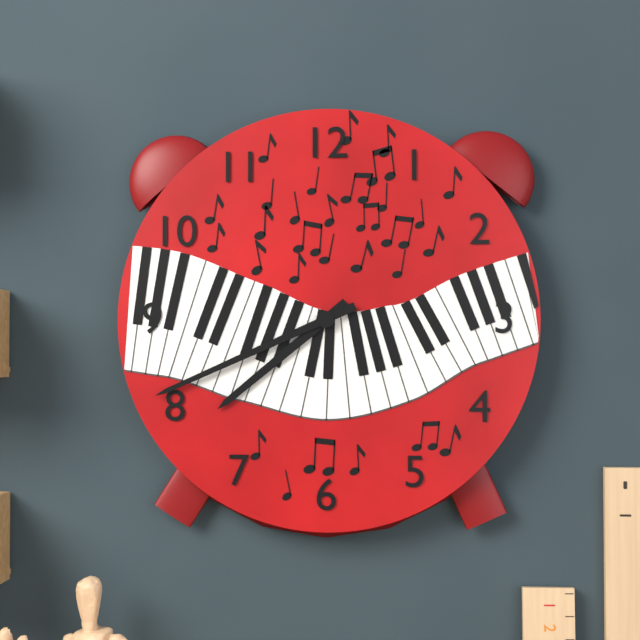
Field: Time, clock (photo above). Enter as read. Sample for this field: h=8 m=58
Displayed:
h=7 m=41
